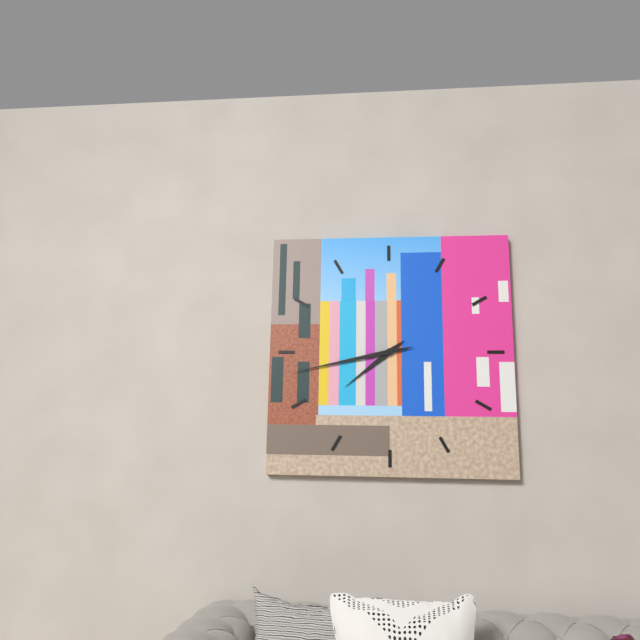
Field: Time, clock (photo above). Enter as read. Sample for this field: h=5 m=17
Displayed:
h=7 m=43
